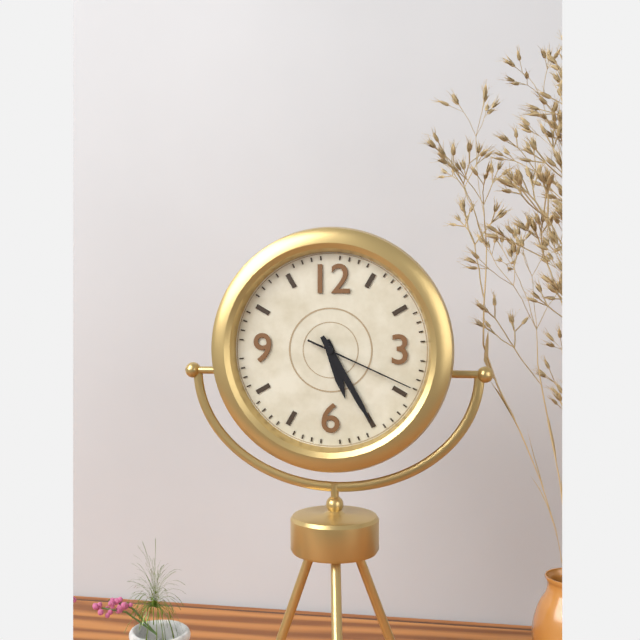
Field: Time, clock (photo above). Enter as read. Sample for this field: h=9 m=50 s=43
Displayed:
h=5 m=25 s=19
